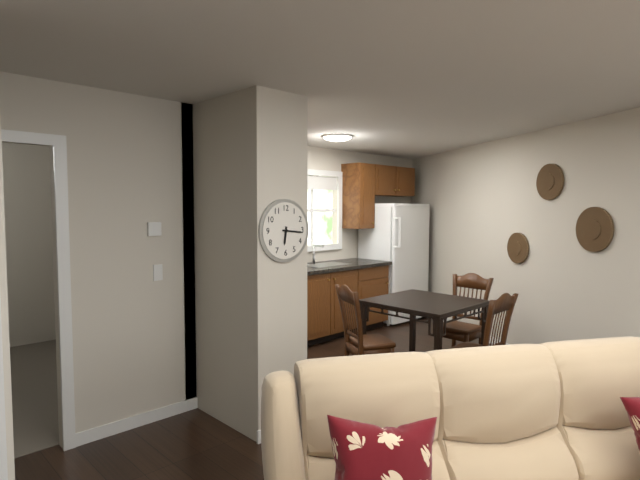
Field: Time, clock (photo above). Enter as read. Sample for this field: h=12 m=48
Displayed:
h=6 m=16
